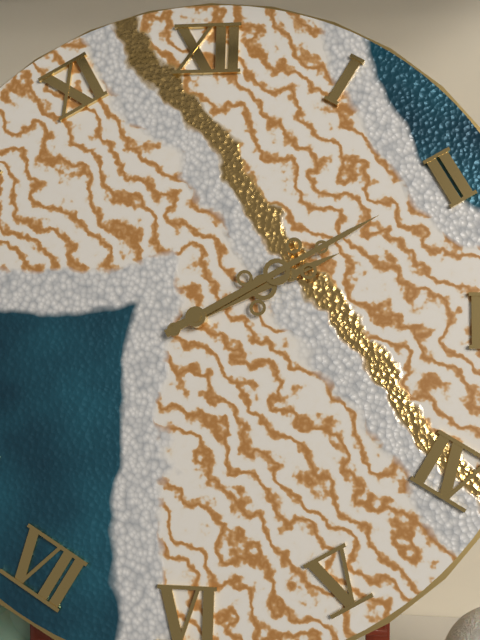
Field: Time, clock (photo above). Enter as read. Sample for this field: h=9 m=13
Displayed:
h=2 m=10
